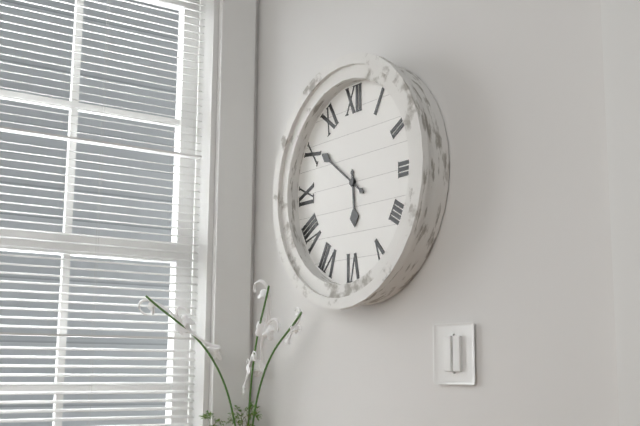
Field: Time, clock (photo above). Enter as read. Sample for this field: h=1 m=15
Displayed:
h=5 m=51
